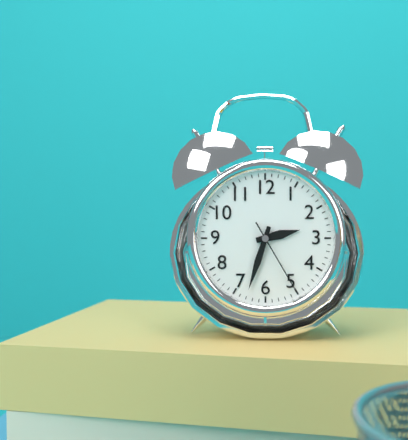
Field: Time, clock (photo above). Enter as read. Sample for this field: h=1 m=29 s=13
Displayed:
h=2 m=33 s=25
